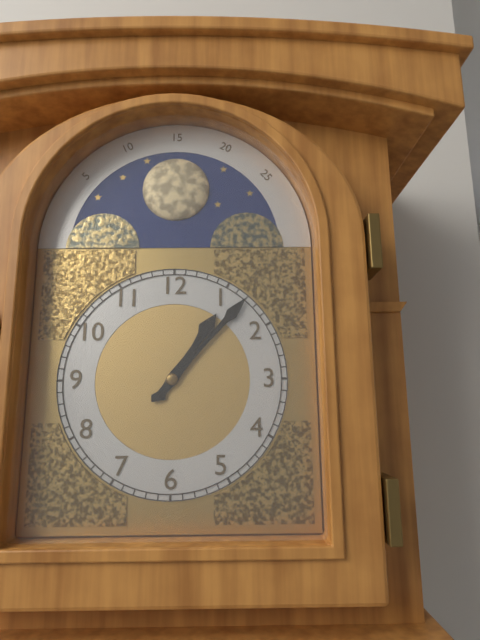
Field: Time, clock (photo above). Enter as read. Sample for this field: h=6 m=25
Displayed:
h=1 m=7
